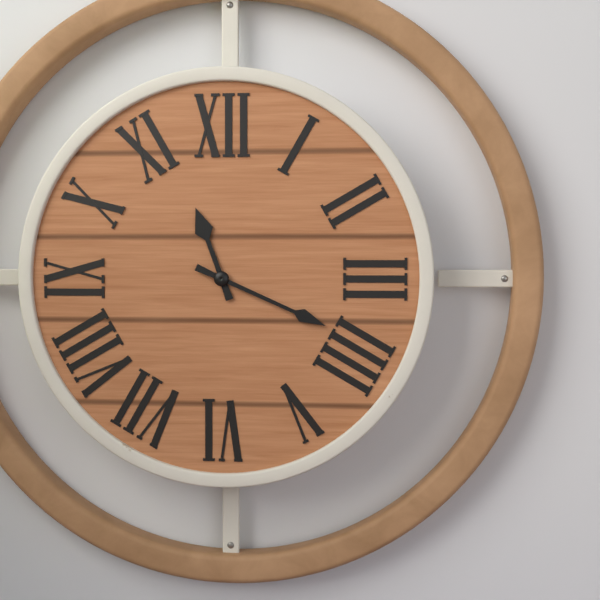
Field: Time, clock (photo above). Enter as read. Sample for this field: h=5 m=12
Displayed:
h=11 m=19
